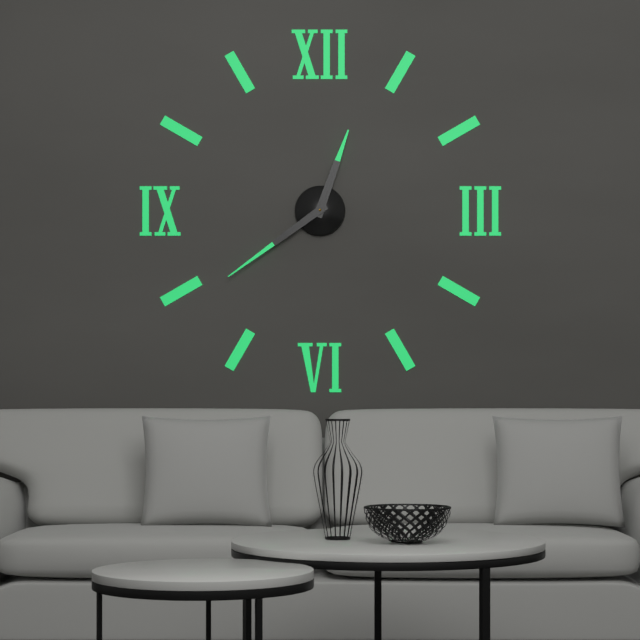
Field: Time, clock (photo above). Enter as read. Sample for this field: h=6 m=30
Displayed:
h=12 m=39
